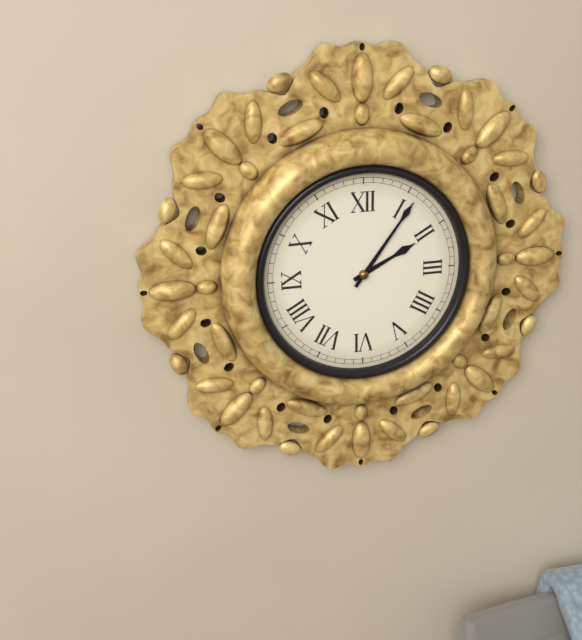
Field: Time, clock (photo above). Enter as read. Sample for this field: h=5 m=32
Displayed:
h=2 m=6
